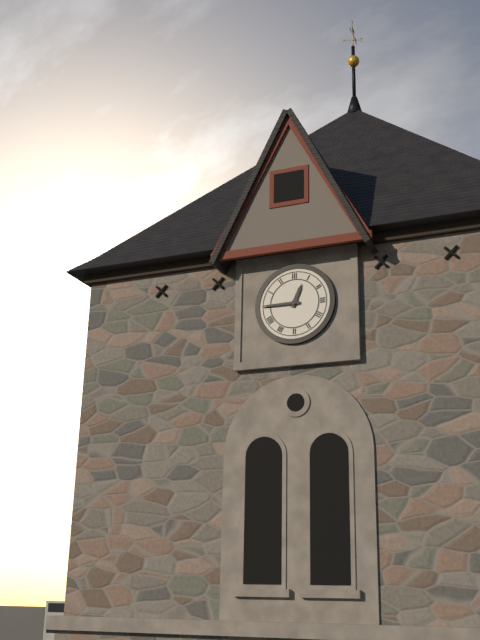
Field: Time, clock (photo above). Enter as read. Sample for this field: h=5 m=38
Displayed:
h=12 m=45
